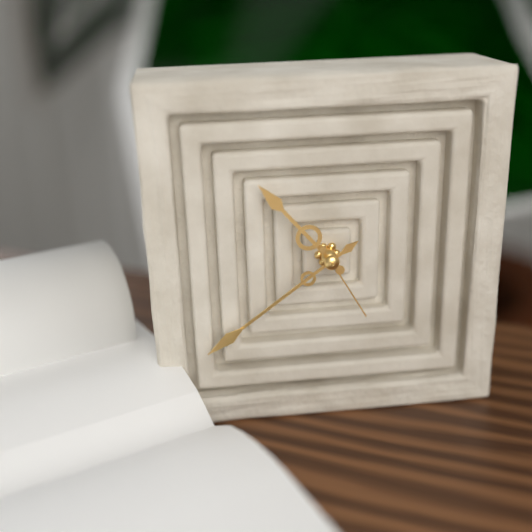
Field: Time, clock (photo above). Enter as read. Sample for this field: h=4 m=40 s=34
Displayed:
h=10 m=39 s=25
